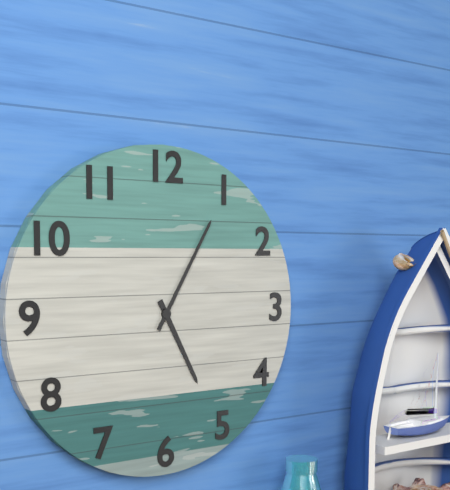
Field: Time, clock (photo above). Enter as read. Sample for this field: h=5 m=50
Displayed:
h=5 m=5
